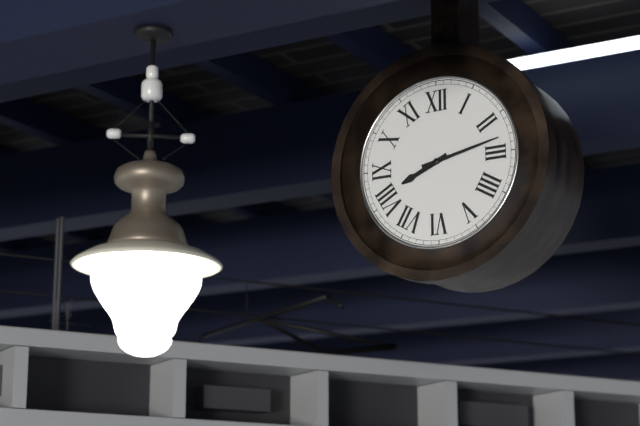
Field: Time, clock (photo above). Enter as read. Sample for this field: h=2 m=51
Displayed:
h=8 m=13
